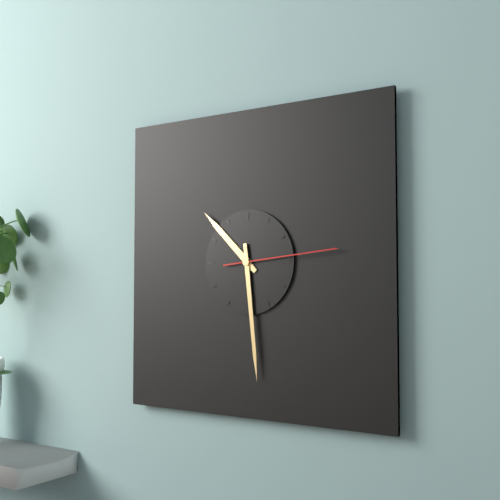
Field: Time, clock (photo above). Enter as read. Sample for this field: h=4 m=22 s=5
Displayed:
h=10 m=29 s=14
